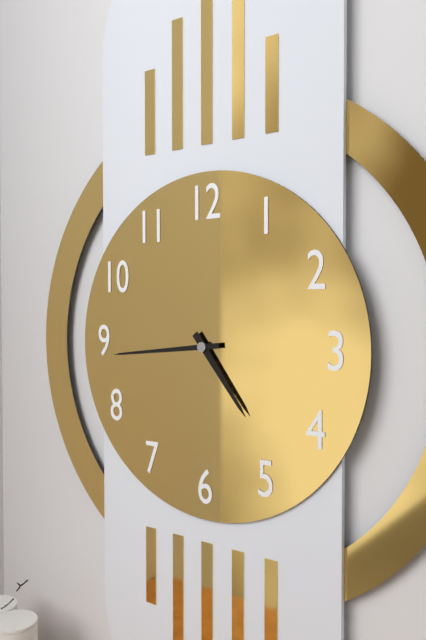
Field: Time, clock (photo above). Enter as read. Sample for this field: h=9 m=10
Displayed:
h=4 m=44
